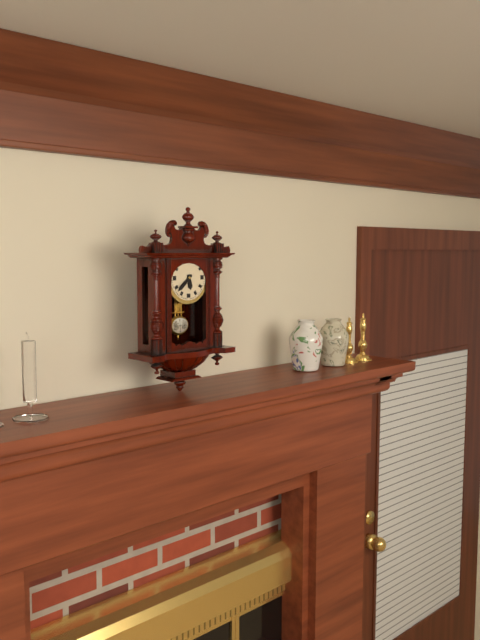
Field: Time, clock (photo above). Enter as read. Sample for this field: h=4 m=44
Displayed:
h=5 m=38
